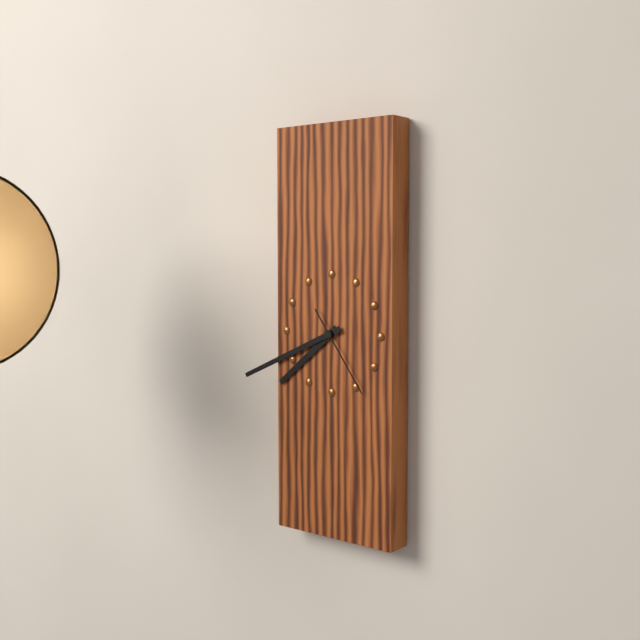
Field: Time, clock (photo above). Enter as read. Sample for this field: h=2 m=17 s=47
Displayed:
h=7 m=41 s=24
